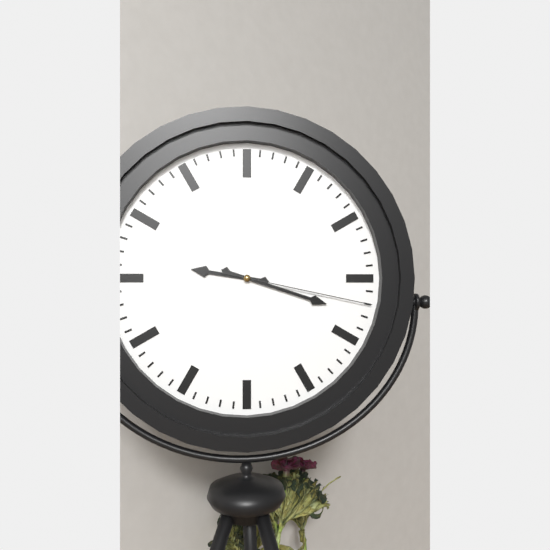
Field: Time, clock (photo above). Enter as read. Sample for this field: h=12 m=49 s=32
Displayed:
h=9 m=18 s=17
